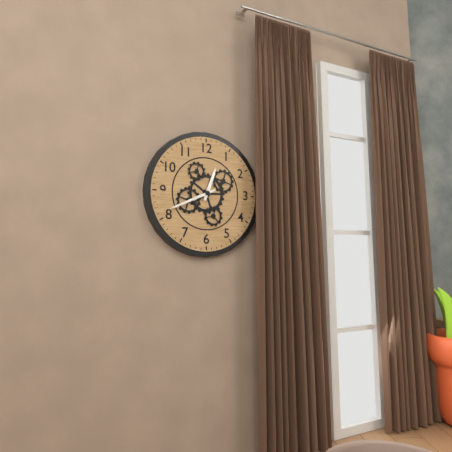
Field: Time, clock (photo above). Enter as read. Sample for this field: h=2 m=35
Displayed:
h=12 m=41
